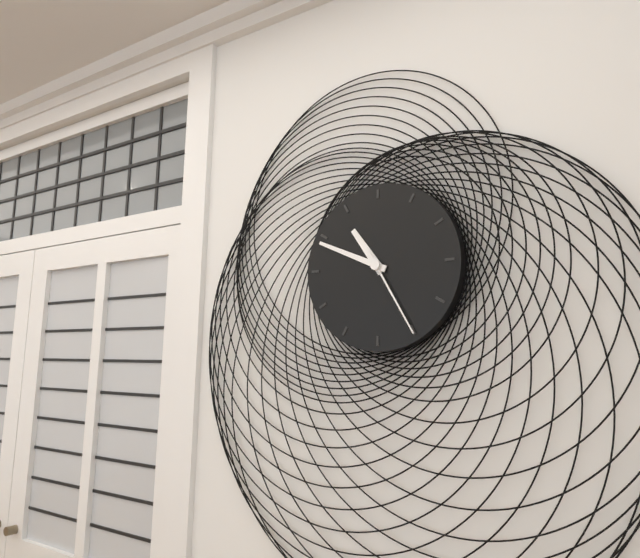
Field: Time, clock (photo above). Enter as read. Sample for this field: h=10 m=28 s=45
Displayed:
h=10 m=49 s=25
